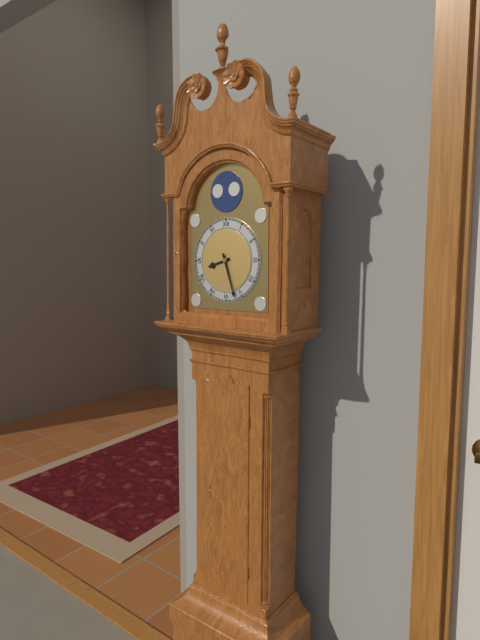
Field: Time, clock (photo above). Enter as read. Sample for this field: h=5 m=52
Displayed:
h=8 m=27
